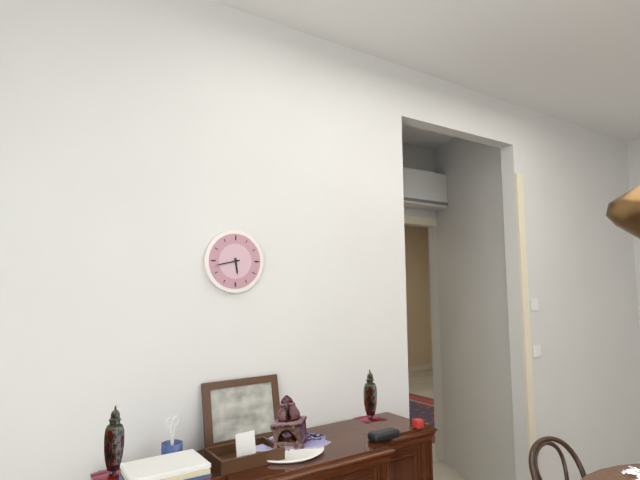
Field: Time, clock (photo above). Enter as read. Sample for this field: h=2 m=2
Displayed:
h=5 m=43
